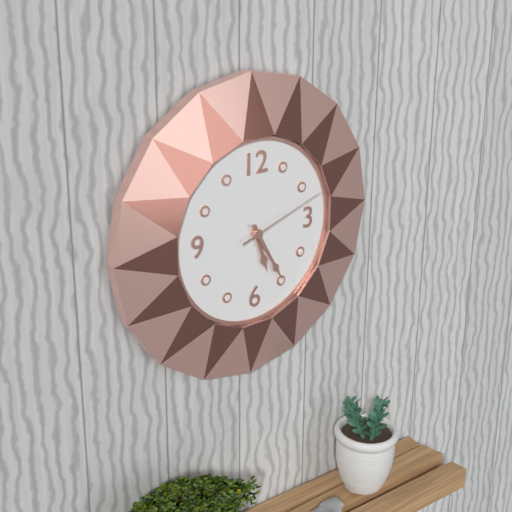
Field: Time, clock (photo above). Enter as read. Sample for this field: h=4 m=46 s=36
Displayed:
h=5 m=25 s=12
